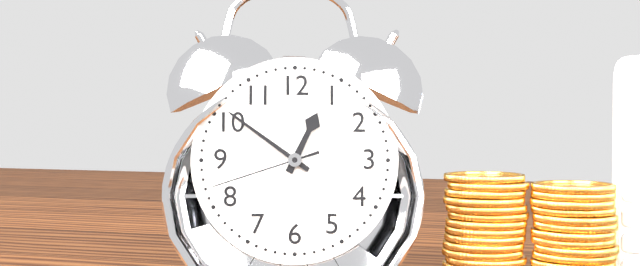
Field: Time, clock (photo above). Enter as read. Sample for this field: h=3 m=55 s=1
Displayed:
h=12 m=51 s=42
